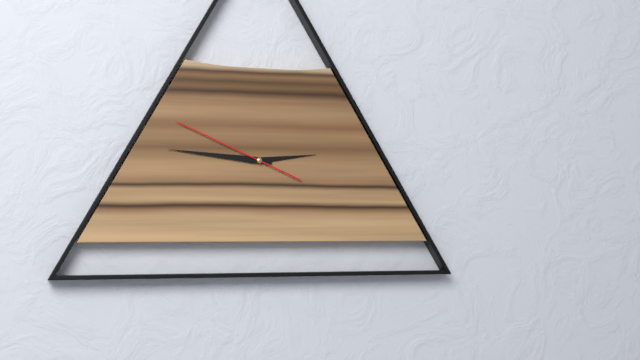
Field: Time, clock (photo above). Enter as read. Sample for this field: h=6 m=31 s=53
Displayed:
h=2 m=46 s=49
